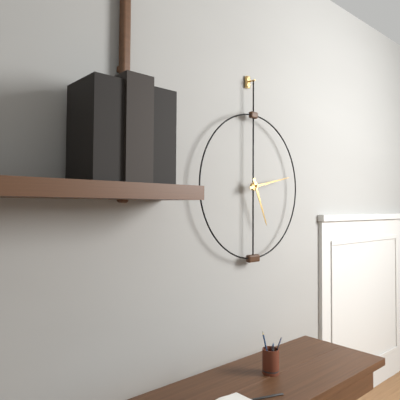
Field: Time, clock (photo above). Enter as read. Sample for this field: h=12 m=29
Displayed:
h=5 m=13
